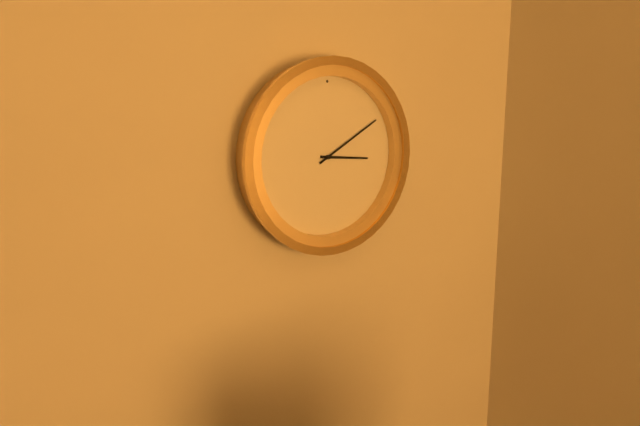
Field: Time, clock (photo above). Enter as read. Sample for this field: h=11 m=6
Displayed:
h=3 m=10
